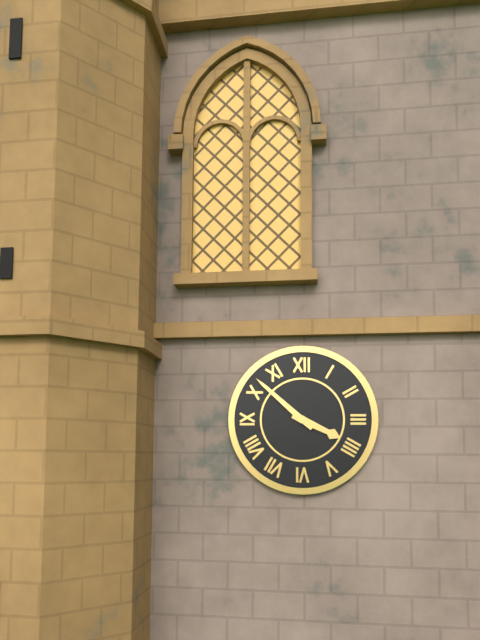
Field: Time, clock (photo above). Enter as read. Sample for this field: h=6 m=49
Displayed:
h=3 m=52
